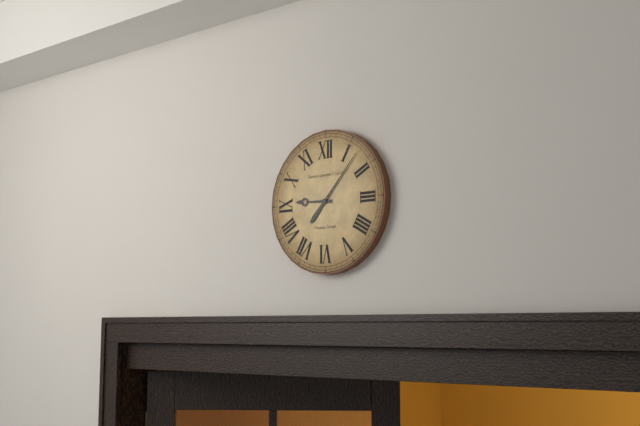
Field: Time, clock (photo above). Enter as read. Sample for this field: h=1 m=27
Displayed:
h=9 m=7
